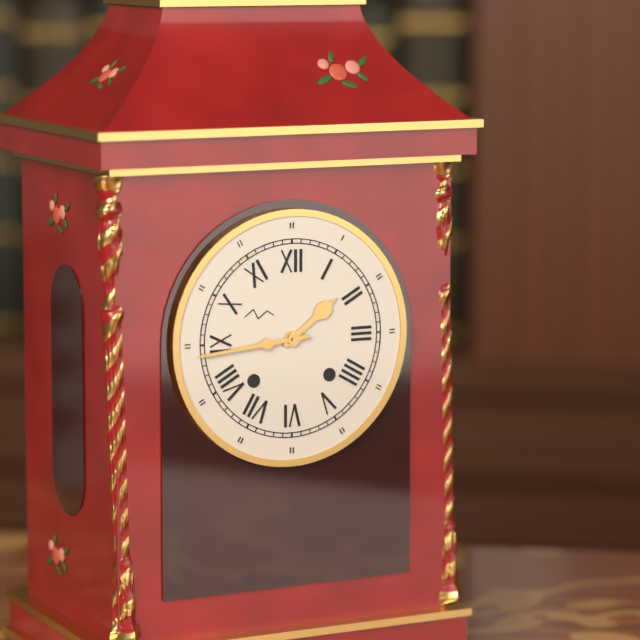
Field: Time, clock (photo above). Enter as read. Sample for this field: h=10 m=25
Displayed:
h=1 m=44
